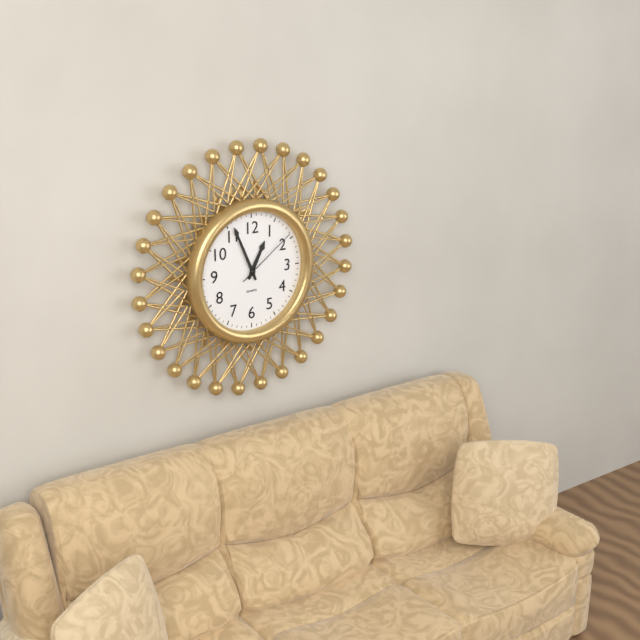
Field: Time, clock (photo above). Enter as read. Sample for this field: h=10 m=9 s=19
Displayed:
h=12 m=56 s=9
